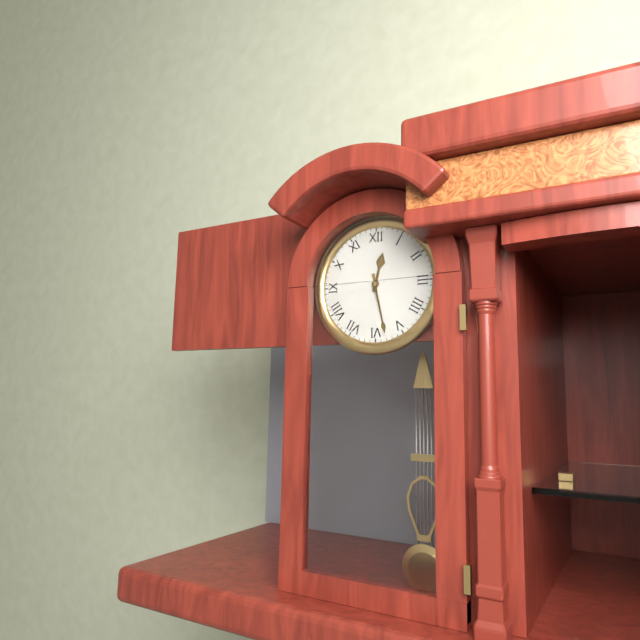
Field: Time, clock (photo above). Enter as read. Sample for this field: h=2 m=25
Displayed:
h=12 m=28
